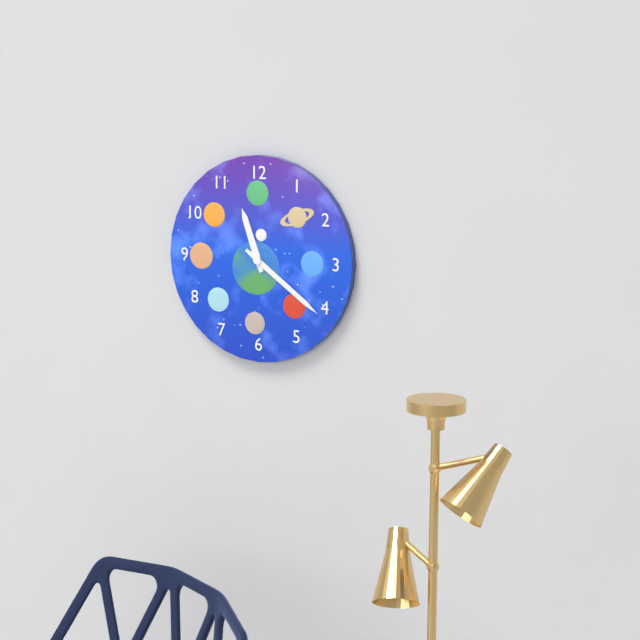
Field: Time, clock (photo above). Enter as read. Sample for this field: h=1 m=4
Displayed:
h=11 m=21
